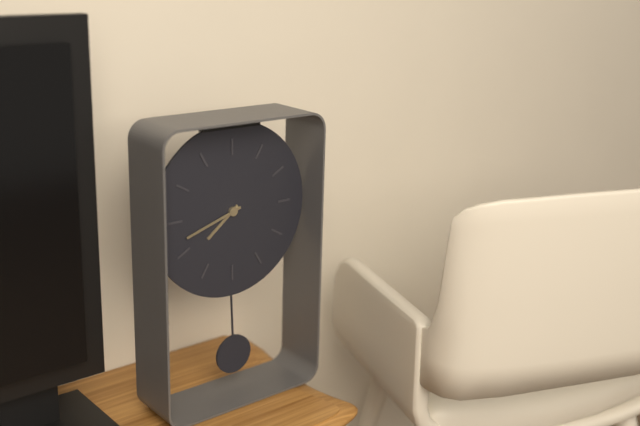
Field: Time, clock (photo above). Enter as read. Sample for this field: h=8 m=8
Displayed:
h=7 m=42
